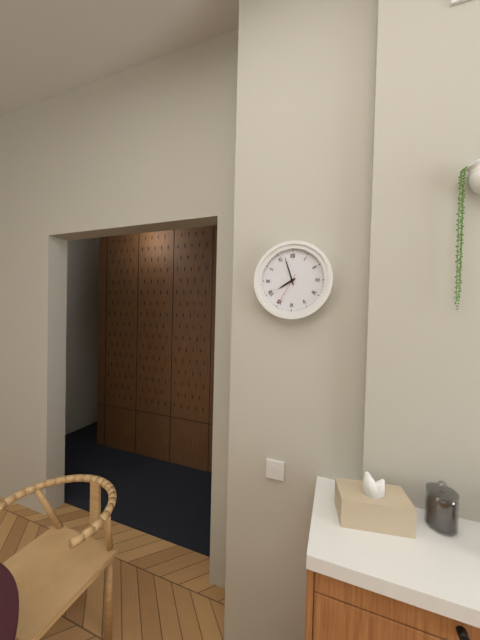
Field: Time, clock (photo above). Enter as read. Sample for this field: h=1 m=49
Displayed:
h=7 m=57
